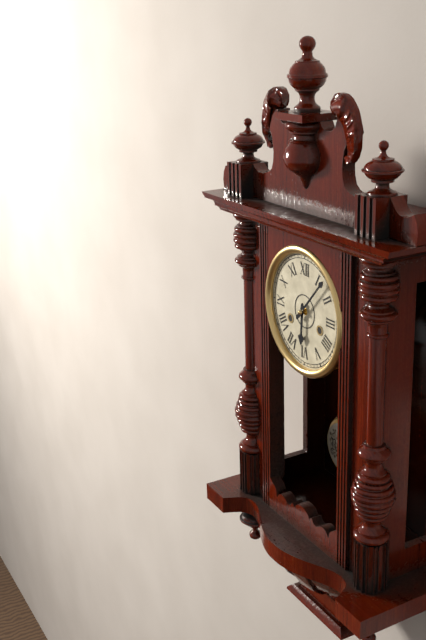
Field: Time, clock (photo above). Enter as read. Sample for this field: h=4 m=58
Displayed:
h=6 m=7
